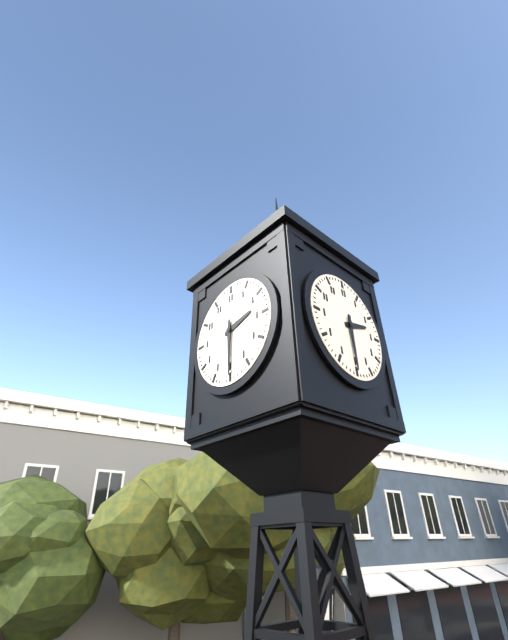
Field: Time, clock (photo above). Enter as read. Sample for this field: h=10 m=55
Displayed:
h=2 m=30
